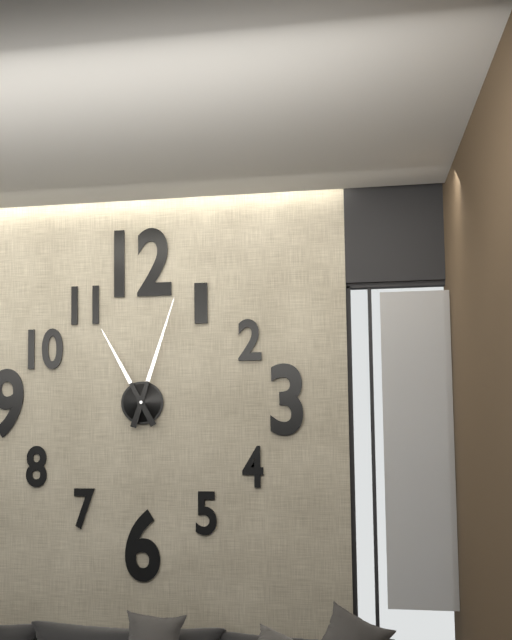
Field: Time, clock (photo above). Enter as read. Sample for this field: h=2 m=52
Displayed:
h=11 m=3
